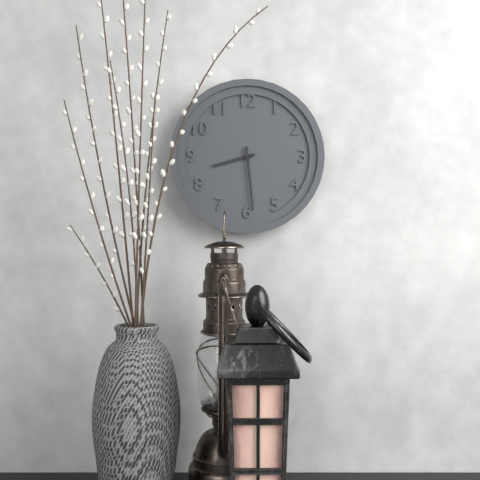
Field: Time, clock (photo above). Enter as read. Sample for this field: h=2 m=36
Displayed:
h=8 m=29
